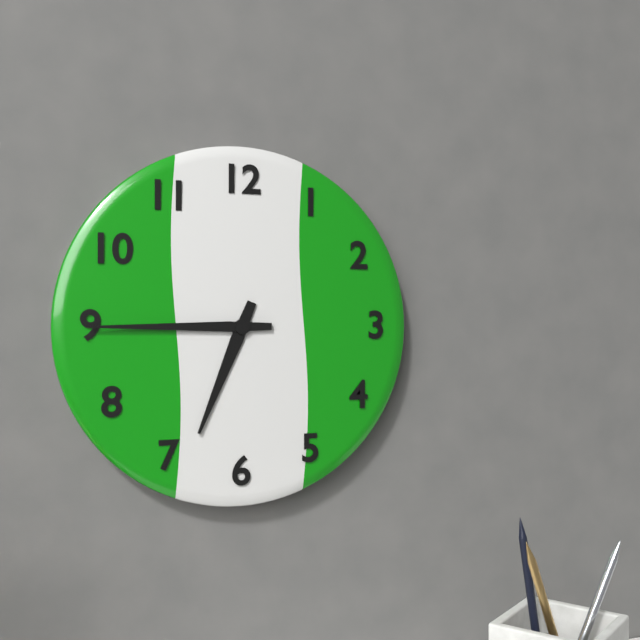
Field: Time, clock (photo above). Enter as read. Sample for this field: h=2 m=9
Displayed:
h=6 m=45
